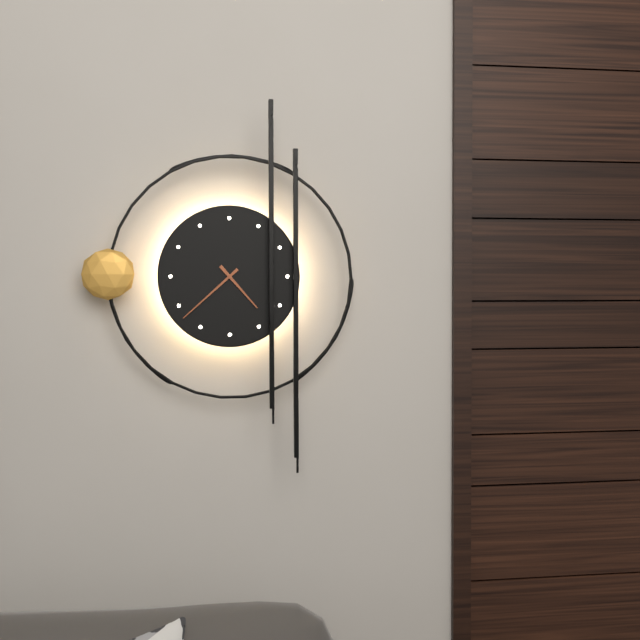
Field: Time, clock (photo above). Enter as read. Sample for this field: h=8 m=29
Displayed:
h=4 m=38
